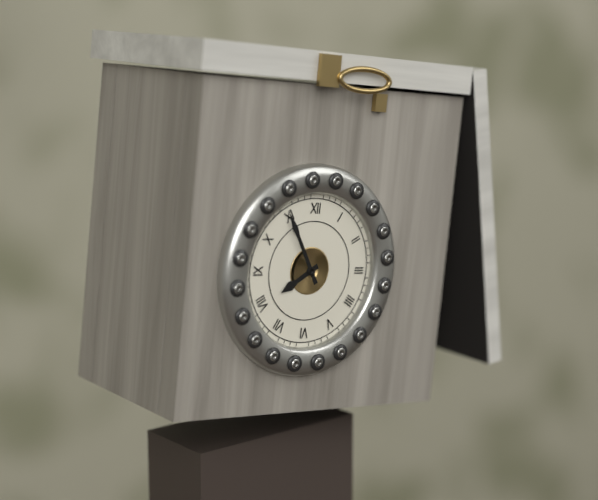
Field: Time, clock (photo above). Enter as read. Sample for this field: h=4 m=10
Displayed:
h=7 m=55
